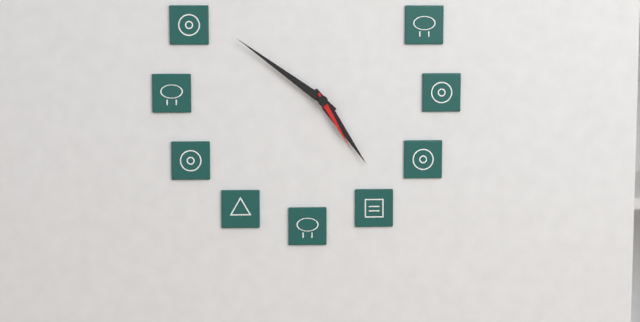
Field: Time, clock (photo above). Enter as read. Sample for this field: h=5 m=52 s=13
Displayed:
h=4 m=51 s=25
